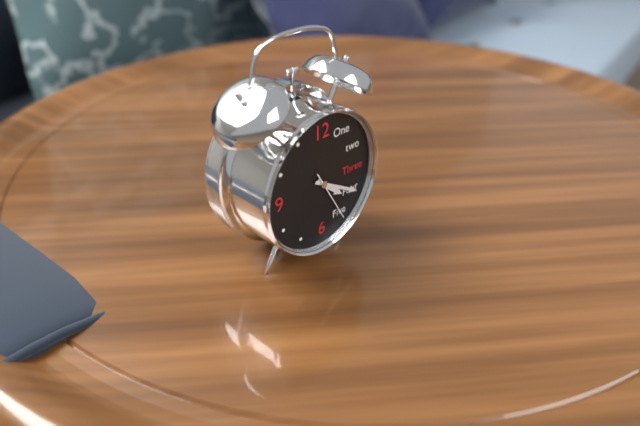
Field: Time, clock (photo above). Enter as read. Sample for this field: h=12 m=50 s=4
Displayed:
h=4 m=20 s=25
